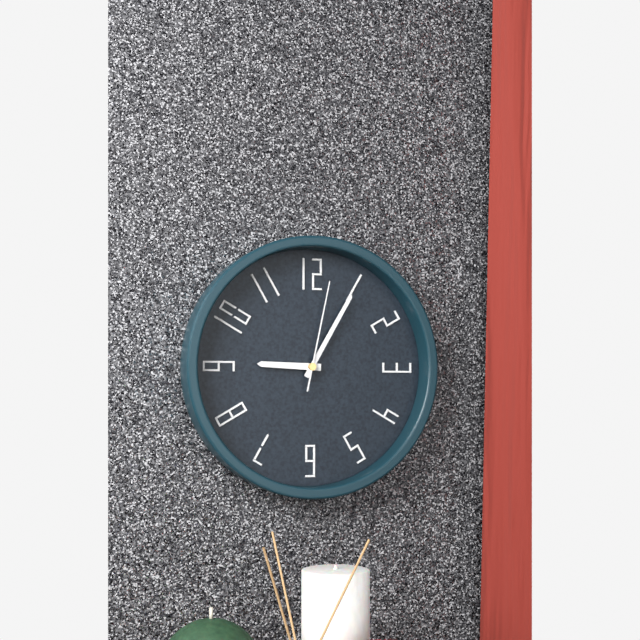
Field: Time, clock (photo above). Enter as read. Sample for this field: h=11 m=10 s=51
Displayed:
h=9 m=5 s=2
